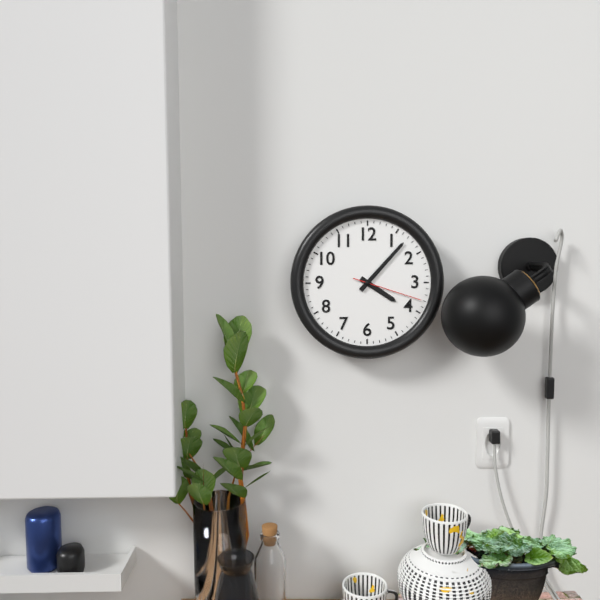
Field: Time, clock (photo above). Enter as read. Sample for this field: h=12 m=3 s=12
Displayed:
h=4 m=7 s=18
